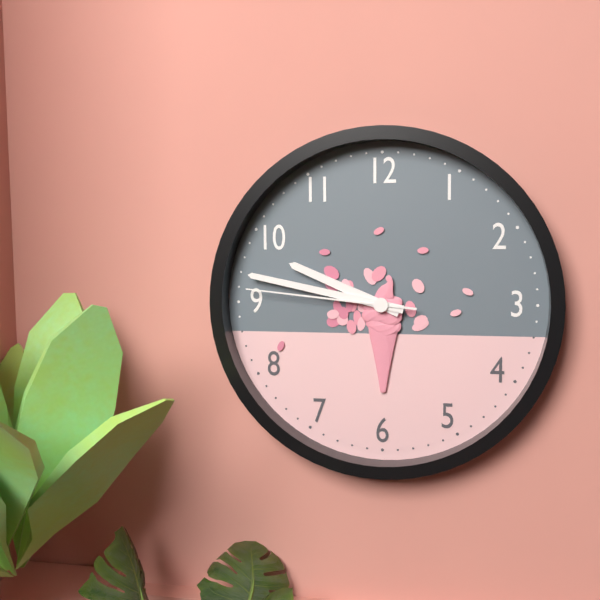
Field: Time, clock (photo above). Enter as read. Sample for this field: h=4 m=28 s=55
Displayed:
h=9 m=47 s=46
